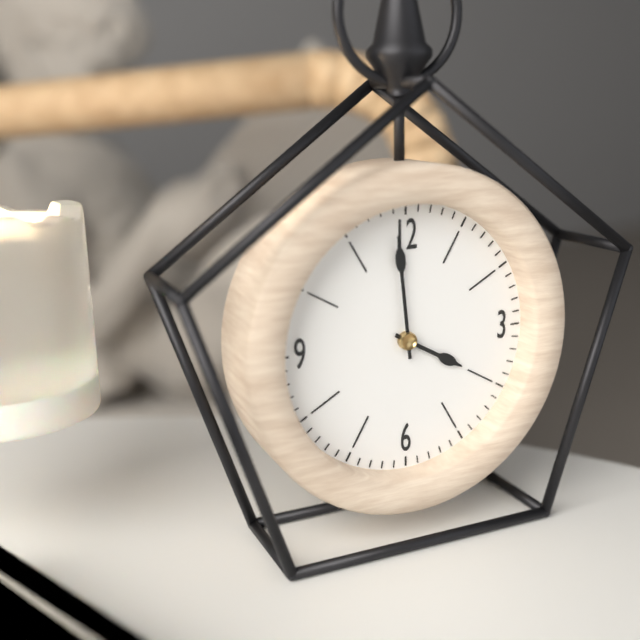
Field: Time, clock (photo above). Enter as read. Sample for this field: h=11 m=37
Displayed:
h=3 m=59
